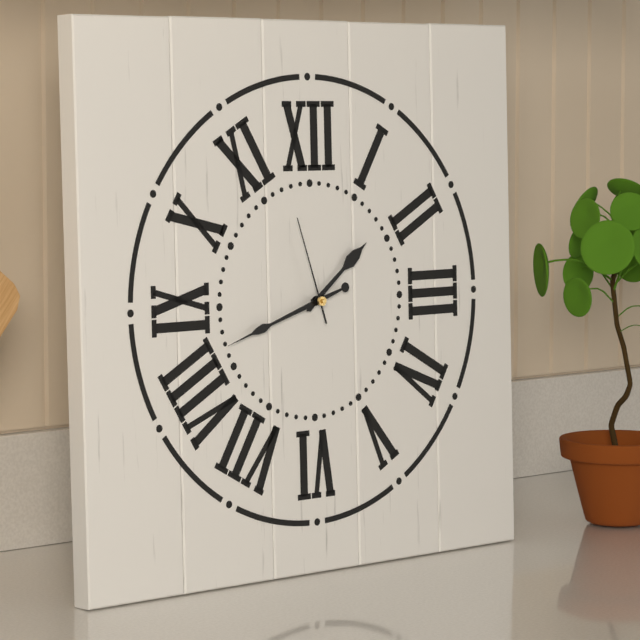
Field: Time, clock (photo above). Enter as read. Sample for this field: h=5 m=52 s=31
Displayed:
h=1 m=42 s=57
